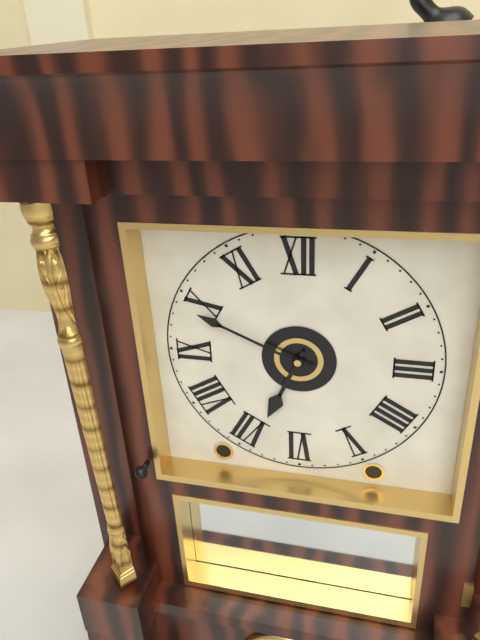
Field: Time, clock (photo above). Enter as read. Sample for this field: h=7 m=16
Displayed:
h=6 m=49
